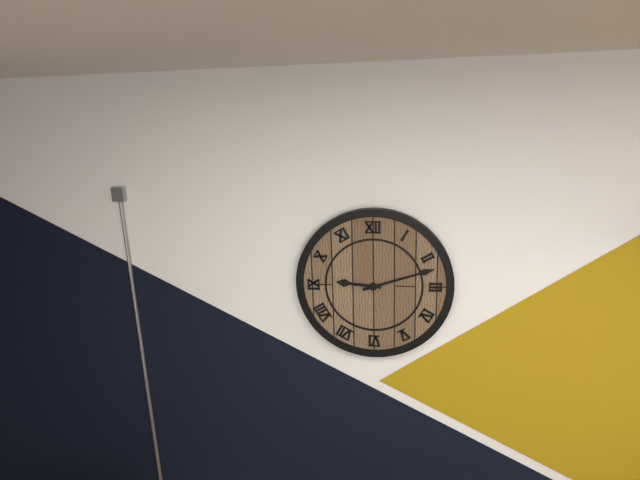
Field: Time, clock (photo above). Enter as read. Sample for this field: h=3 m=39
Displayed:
h=9 m=12
